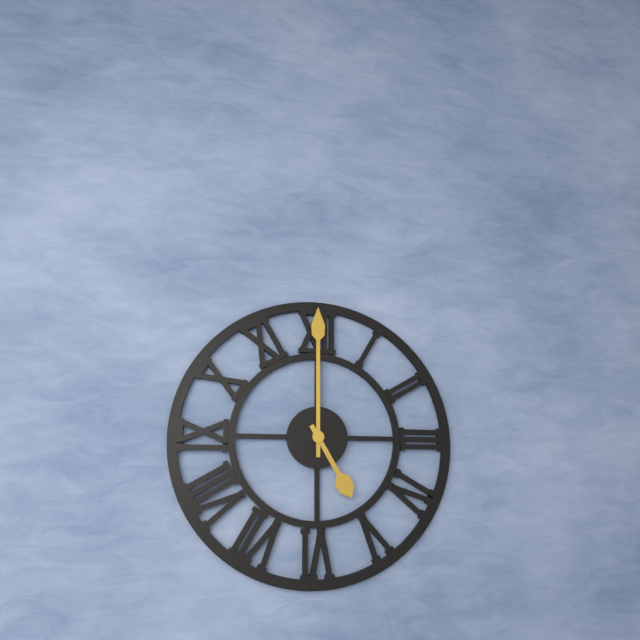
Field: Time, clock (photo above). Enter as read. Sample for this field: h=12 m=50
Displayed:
h=5 m=0
